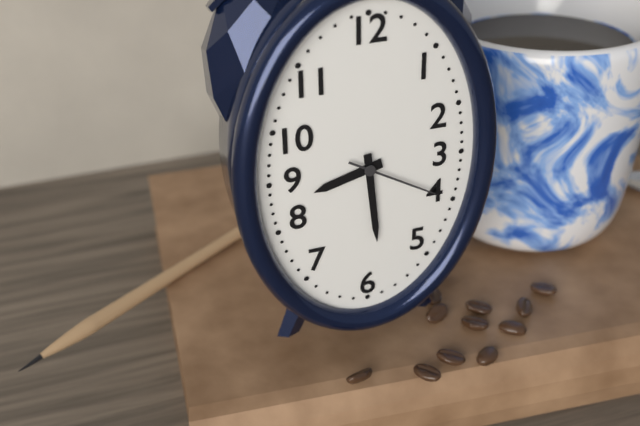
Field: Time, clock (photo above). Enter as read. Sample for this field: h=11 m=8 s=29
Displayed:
h=8 m=29 s=20
